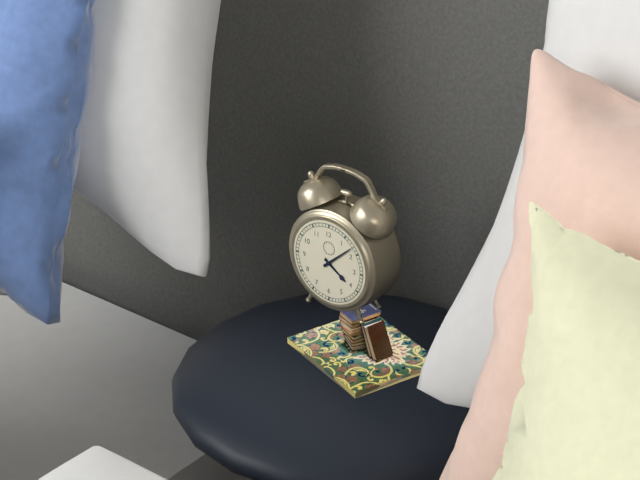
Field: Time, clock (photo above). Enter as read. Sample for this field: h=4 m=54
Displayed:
h=4 m=8
